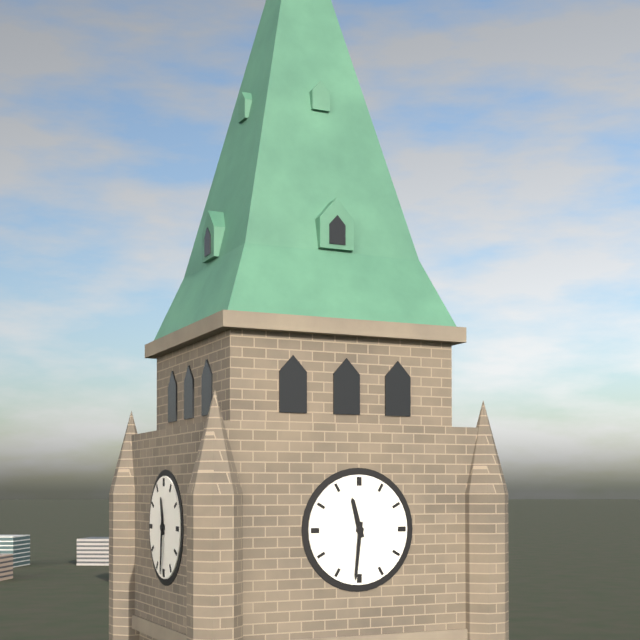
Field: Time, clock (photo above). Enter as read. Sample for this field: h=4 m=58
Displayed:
h=11 m=31
